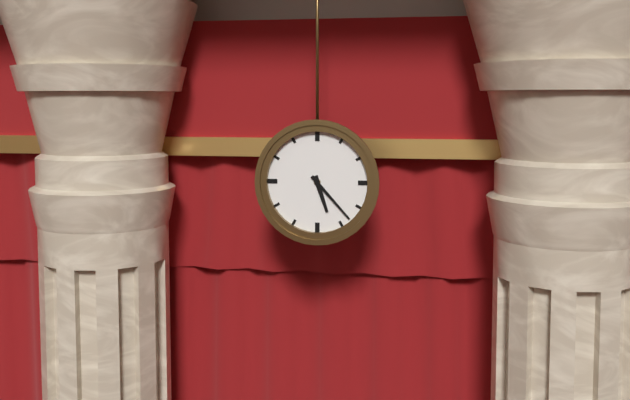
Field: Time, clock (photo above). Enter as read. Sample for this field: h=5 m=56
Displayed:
h=5 m=23
